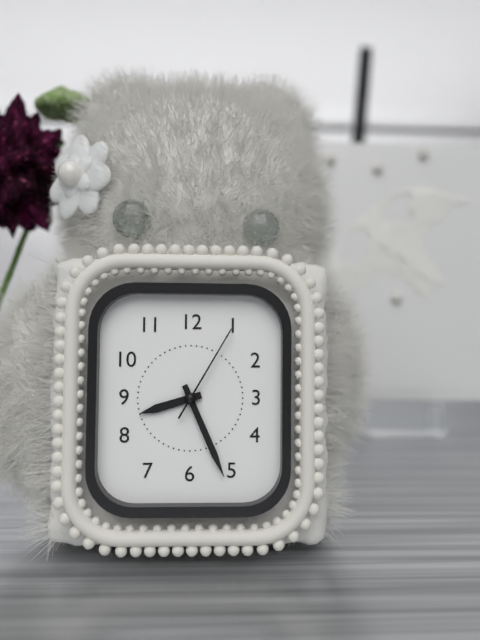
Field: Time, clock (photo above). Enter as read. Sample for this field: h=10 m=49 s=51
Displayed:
h=8 m=26 s=5
